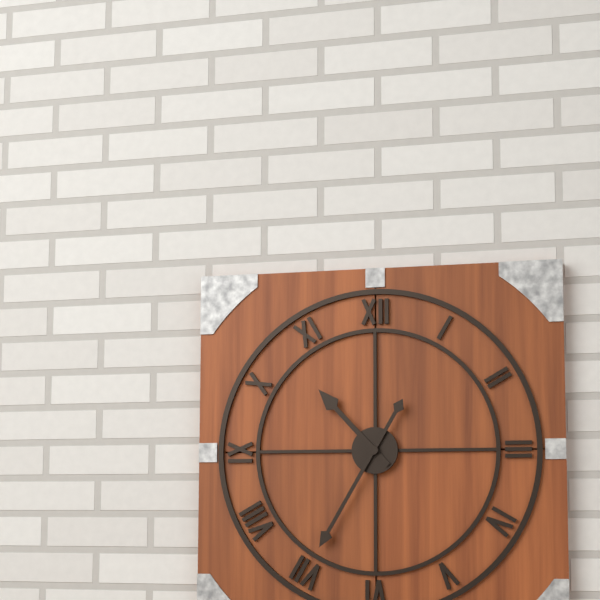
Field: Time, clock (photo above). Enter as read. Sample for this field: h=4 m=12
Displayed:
h=10 m=35
